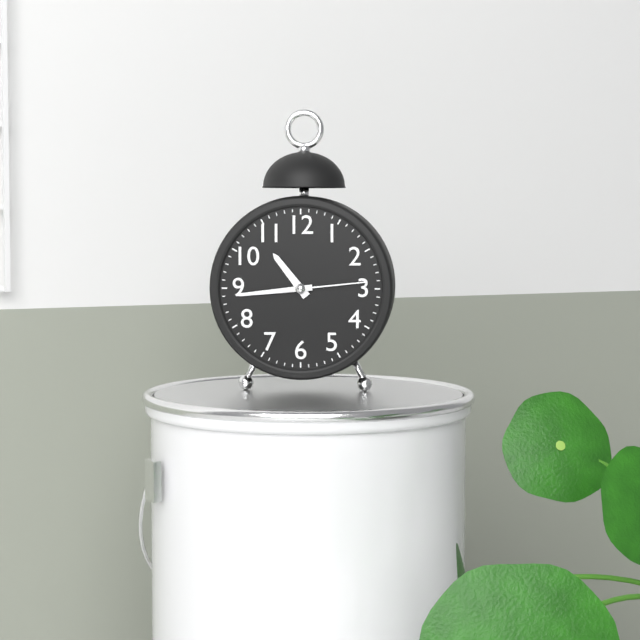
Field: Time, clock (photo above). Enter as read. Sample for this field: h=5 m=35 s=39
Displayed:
h=10 m=44 s=14
